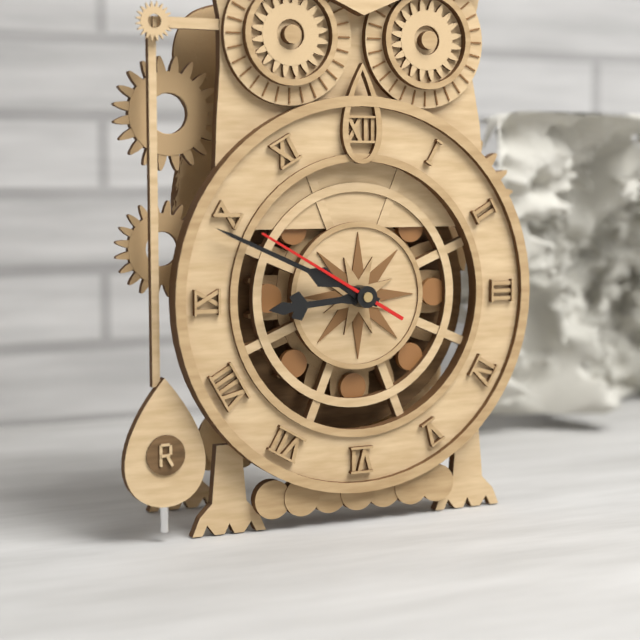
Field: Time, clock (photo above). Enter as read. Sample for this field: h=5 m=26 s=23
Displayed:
h=8 m=49 s=50
